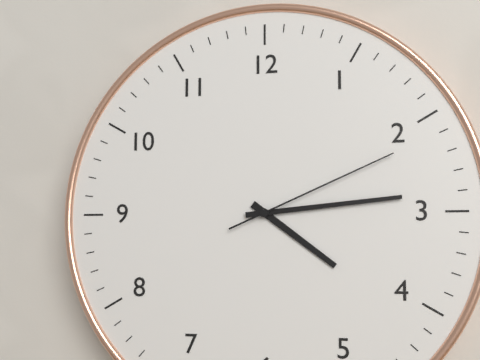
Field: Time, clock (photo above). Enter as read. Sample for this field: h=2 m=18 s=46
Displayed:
h=4 m=14 s=11
